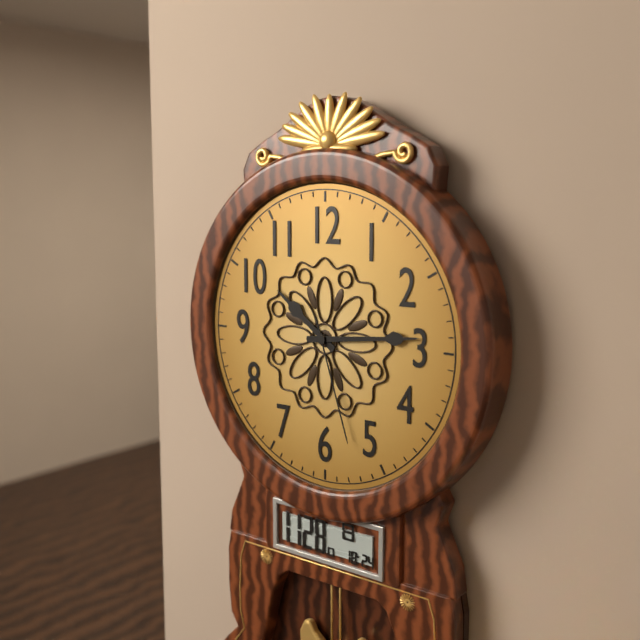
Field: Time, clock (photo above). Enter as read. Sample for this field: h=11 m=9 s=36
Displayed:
h=10 m=14 s=27
